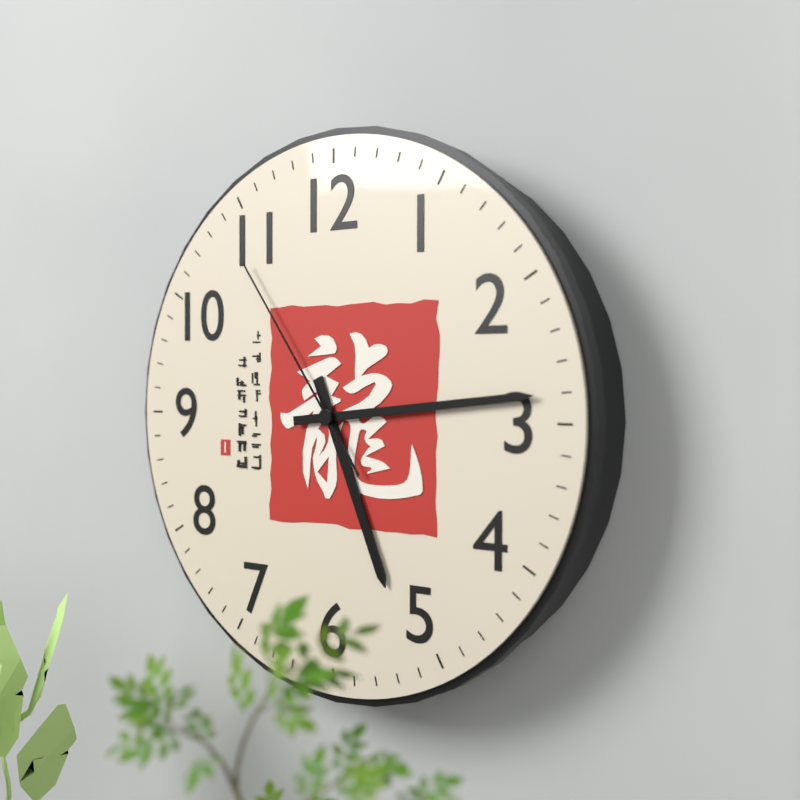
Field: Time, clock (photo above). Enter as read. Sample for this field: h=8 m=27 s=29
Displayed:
h=5 m=14 s=54
